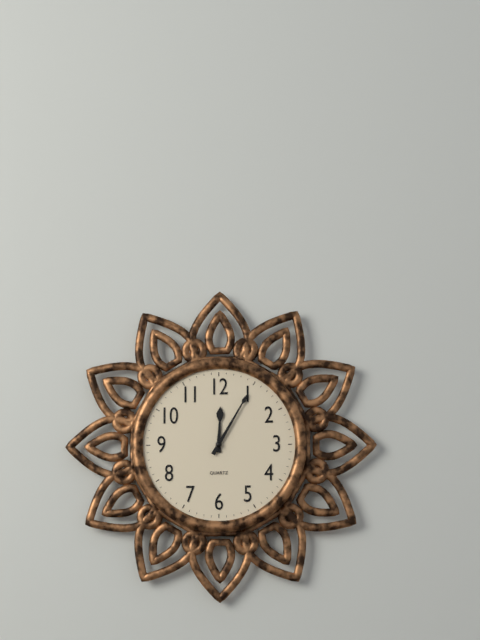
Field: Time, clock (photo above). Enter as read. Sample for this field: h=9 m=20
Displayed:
h=12 m=5
